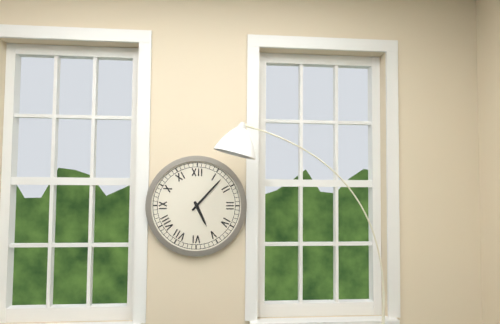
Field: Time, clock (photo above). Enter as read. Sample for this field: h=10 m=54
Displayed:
h=5 m=7
